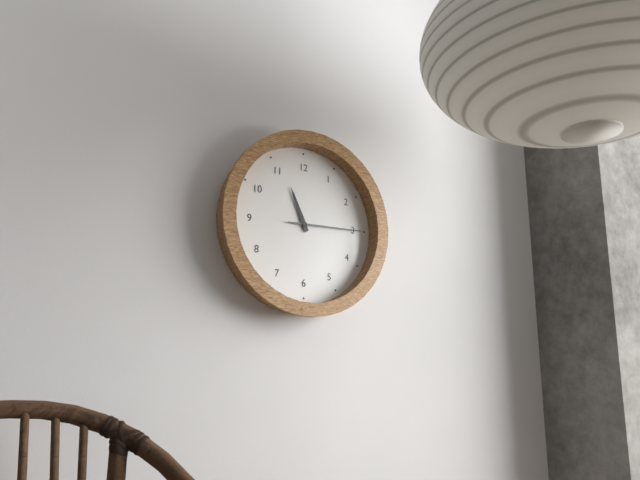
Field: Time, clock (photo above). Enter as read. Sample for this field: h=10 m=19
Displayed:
h=11 m=15
